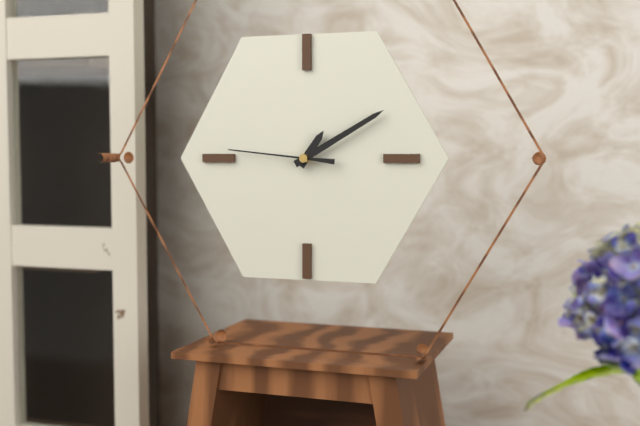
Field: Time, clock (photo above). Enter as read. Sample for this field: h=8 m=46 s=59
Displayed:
h=1 m=10 s=46
